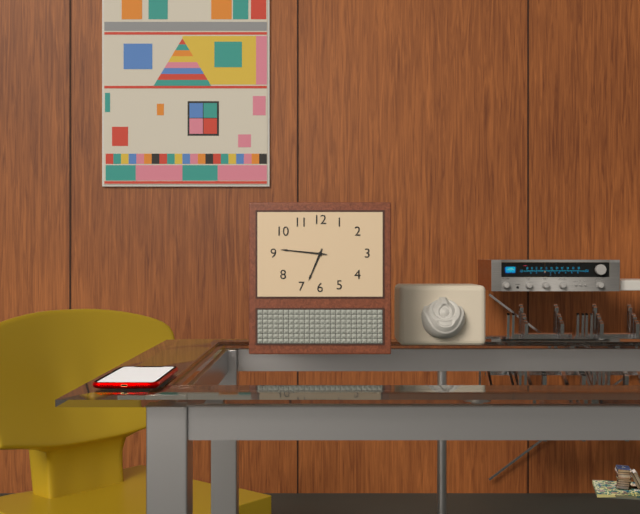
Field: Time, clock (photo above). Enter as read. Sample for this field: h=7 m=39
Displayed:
h=6 m=46
